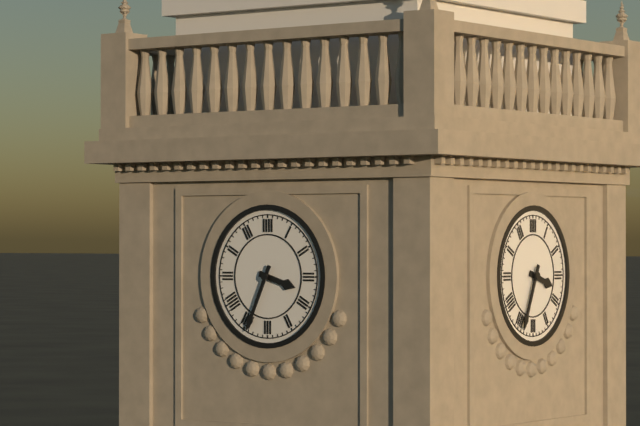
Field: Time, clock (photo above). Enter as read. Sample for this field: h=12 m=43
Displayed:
h=3 m=34
